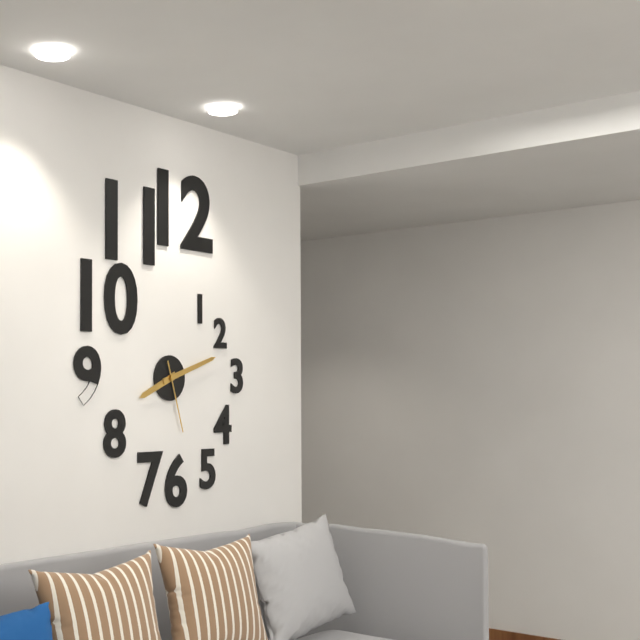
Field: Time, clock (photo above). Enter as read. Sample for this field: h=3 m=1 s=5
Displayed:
h=8 m=12 s=27
